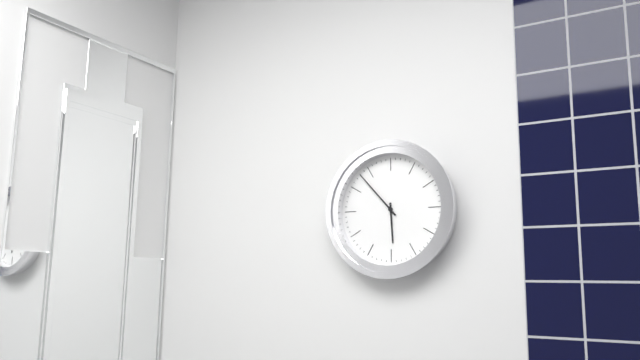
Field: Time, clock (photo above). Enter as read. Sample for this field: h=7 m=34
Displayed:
h=5 m=53
